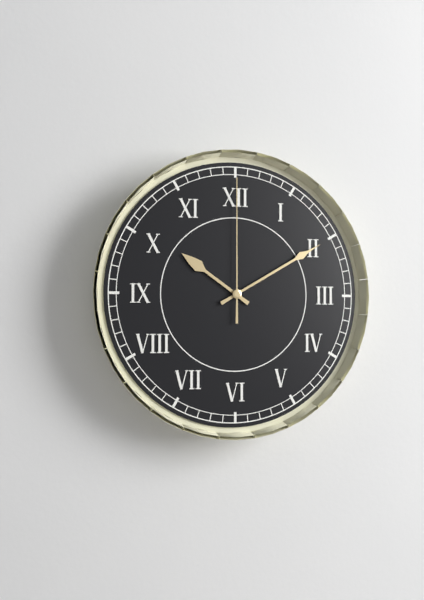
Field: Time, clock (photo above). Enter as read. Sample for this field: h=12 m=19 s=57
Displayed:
h=10 m=10 s=0
